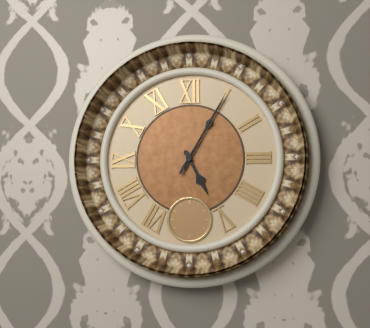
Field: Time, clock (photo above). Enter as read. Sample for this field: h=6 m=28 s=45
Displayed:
h=5 m=5 s=5
